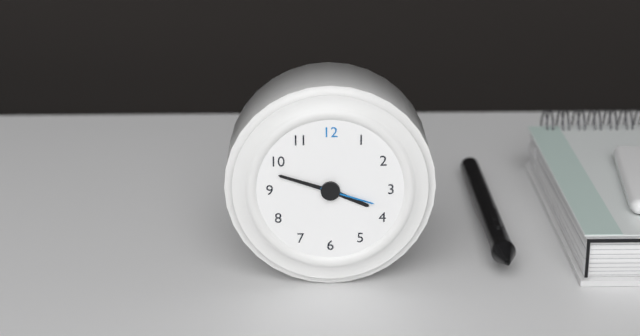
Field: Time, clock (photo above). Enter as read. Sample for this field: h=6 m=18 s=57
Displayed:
h=3 m=48 s=18
